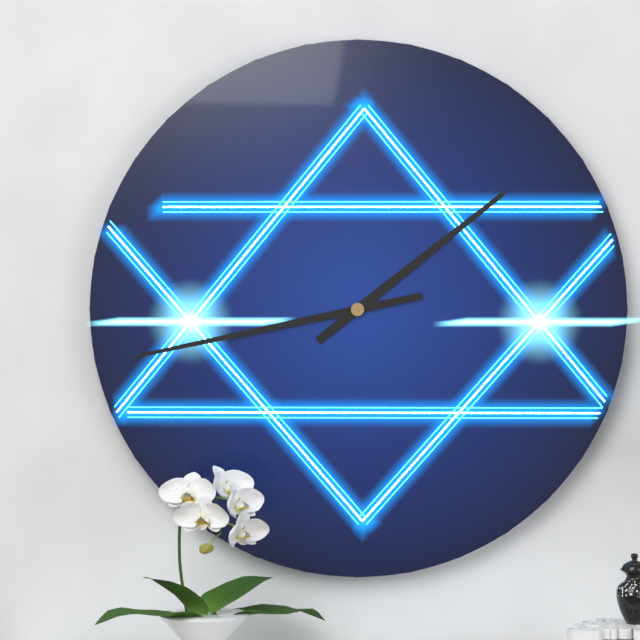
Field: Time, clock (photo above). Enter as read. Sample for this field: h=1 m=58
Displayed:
h=1 m=43
